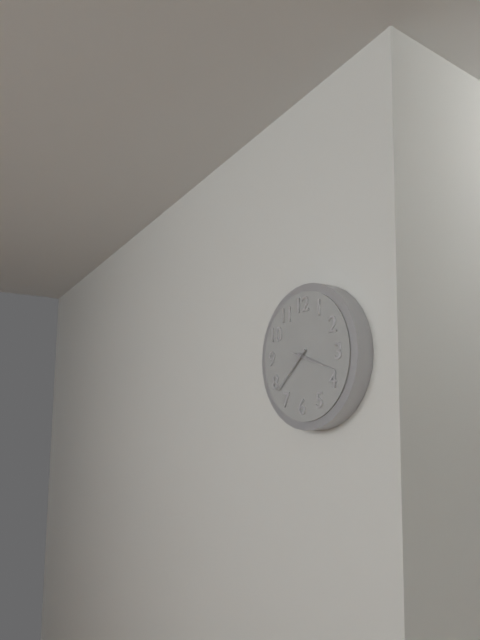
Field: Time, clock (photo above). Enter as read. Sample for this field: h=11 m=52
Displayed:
h=3 m=38
